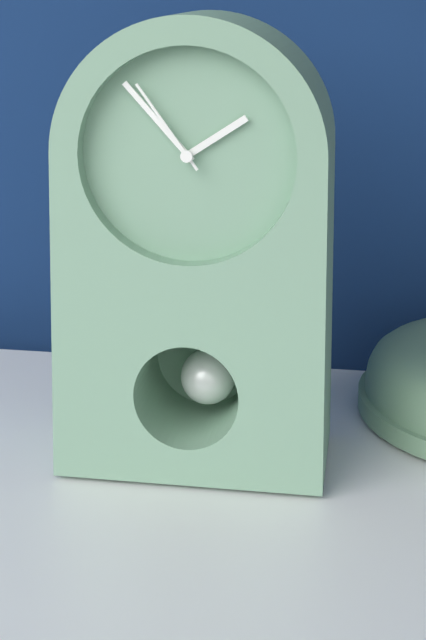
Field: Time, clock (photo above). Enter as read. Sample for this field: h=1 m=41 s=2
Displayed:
h=1 m=53 s=54
